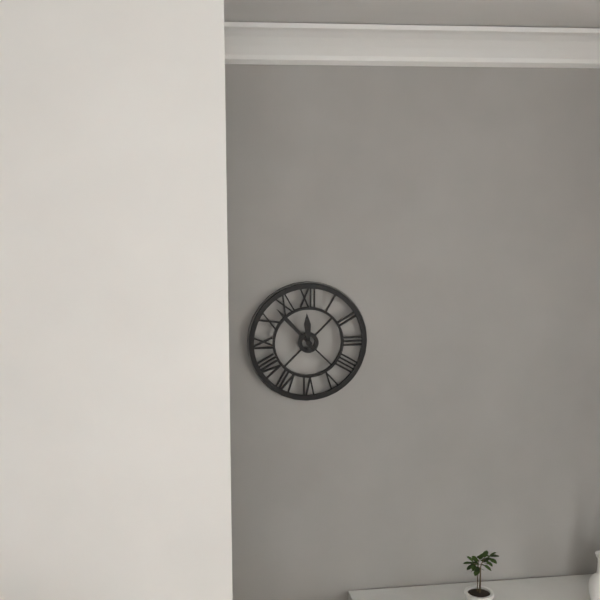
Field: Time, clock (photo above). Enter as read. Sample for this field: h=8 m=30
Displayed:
h=11 m=53
